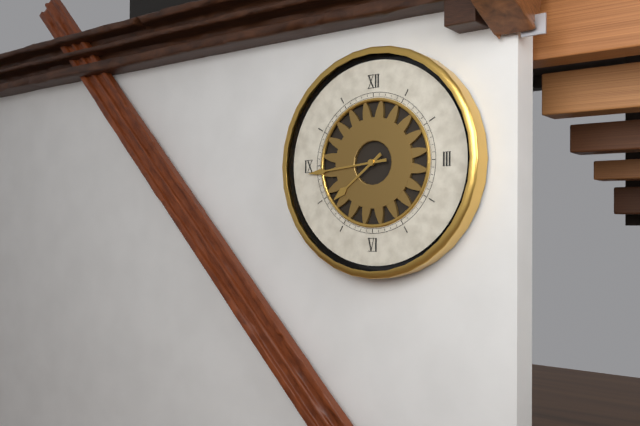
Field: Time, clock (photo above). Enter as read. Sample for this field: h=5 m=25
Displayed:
h=7 m=44
